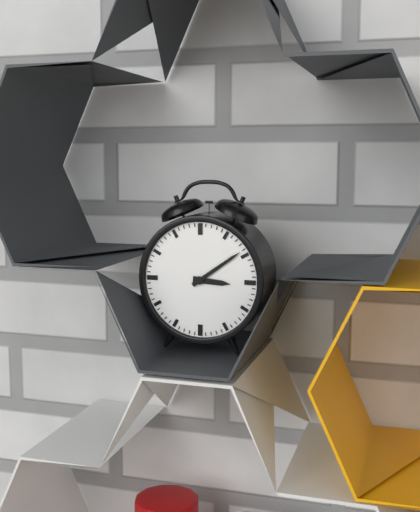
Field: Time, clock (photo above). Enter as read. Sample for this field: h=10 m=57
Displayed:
h=3 m=9
